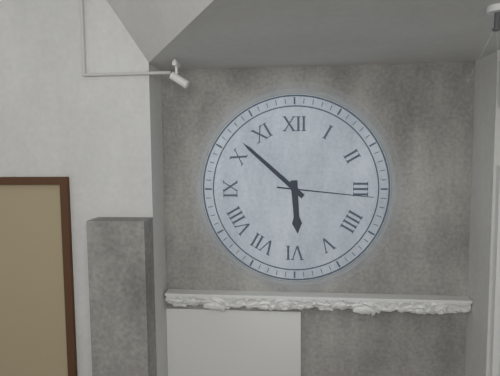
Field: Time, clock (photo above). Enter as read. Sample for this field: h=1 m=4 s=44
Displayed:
h=5 m=52 s=16
